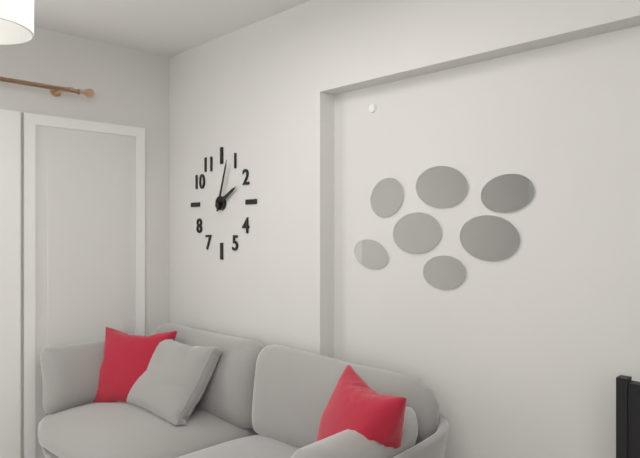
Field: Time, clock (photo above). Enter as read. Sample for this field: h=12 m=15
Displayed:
h=2 m=3
